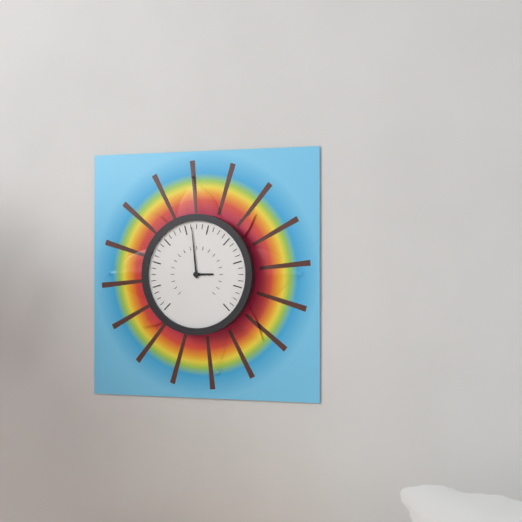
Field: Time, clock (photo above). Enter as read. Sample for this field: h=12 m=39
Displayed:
h=2 m=59
